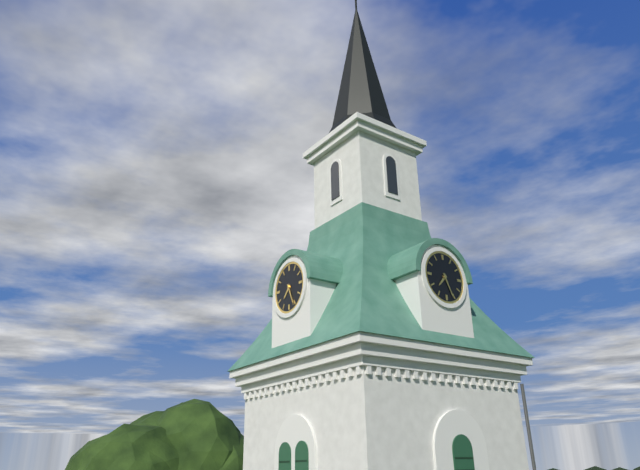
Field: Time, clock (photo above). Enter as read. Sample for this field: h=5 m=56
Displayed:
h=7 m=26
